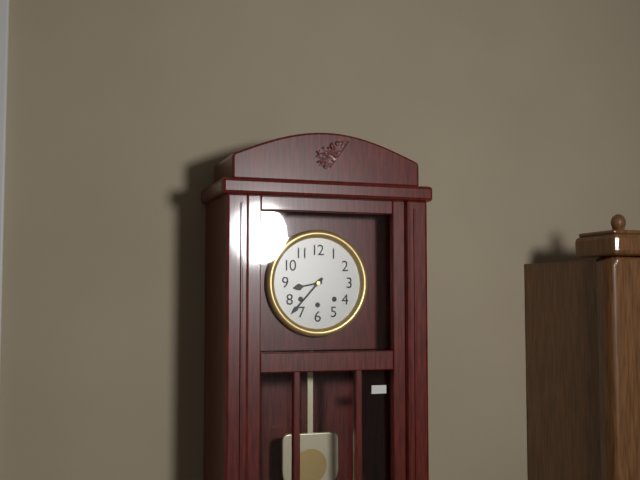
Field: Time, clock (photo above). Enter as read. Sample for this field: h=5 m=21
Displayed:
h=8 m=37
